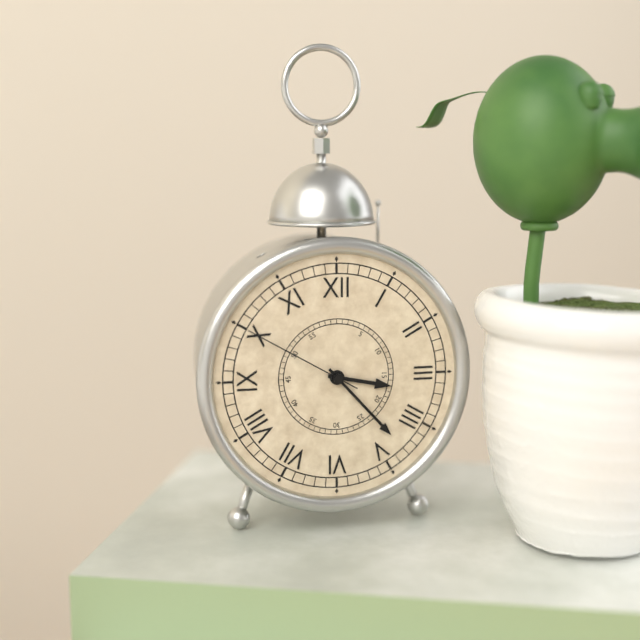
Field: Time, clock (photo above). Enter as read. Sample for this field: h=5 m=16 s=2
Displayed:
h=3 m=23 s=50
